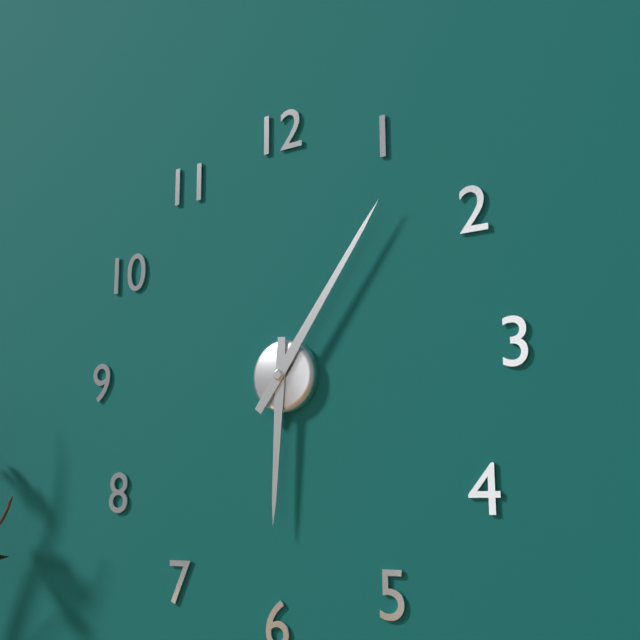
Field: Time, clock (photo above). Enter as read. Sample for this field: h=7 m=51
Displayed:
h=6 m=6
